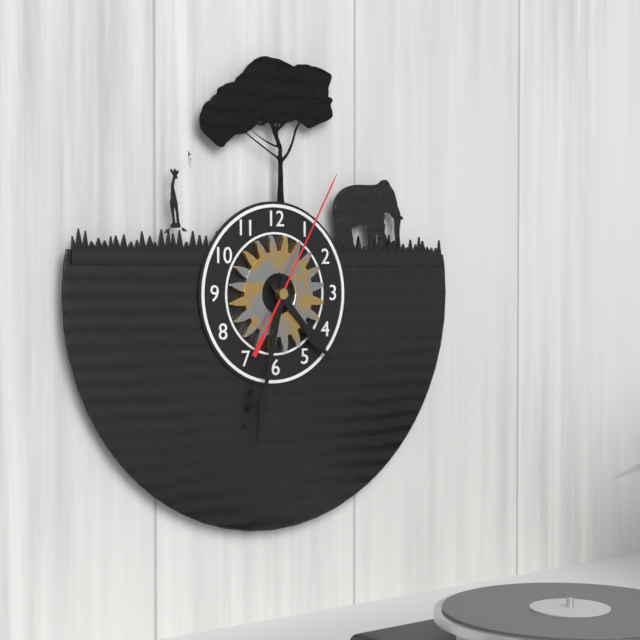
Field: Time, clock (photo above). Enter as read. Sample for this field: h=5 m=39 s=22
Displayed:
h=4 m=32 s=5
